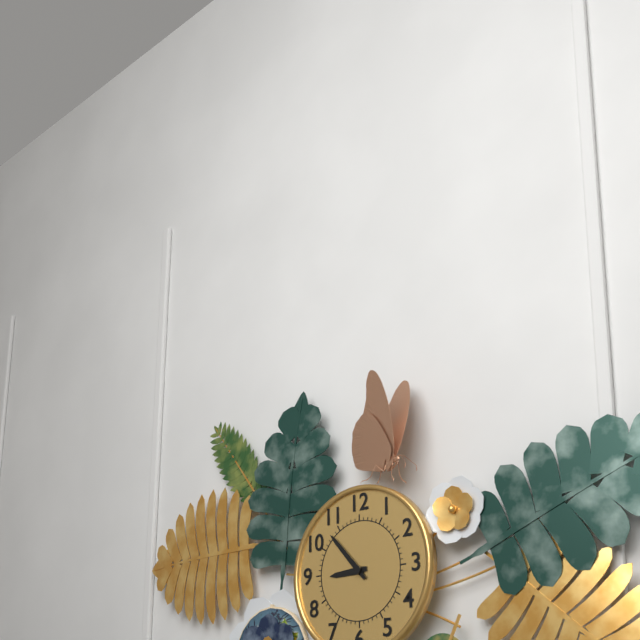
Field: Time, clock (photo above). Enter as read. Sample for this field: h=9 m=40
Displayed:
h=8 m=53
